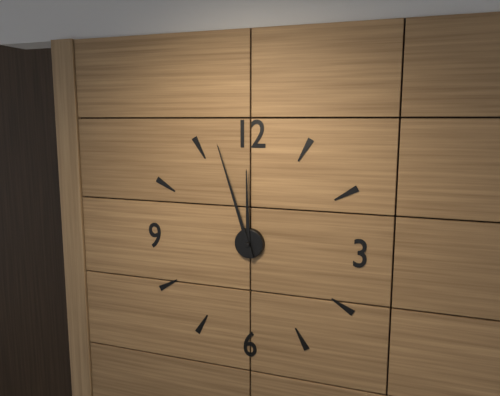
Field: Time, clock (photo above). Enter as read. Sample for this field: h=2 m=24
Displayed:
h=11 m=57
